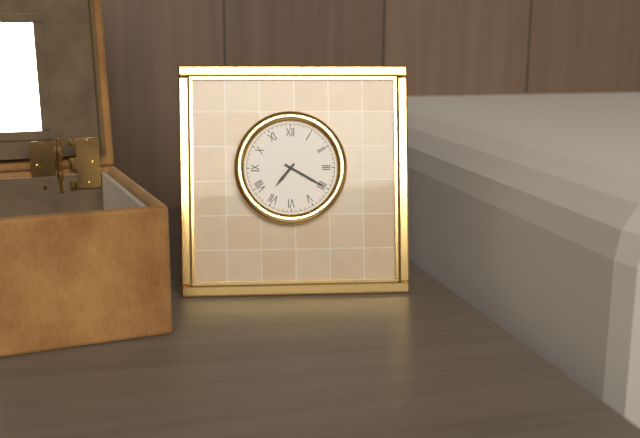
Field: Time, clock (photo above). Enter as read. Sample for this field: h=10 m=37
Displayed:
h=7 m=20
